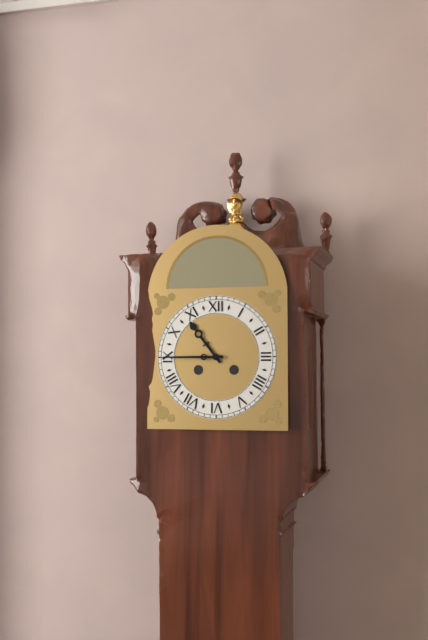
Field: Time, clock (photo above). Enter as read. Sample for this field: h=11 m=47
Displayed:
h=10 m=45
